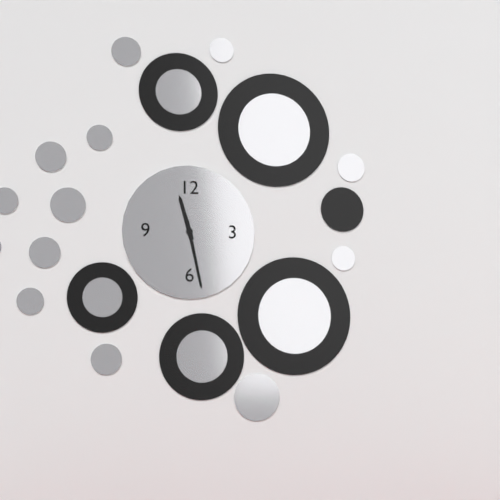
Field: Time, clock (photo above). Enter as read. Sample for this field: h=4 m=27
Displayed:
h=11 m=28
